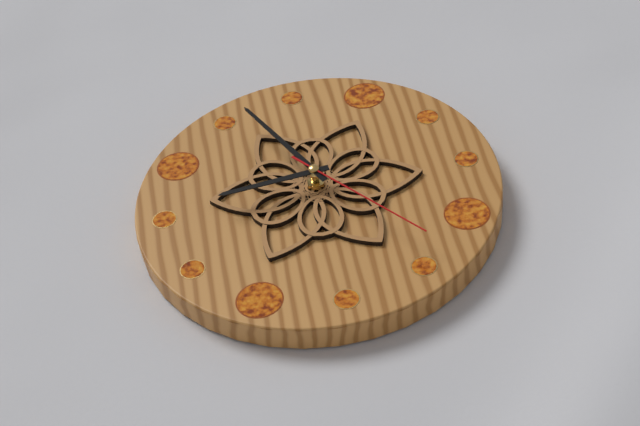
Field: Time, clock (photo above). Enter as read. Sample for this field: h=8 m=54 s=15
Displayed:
h=7 m=51 s=19
